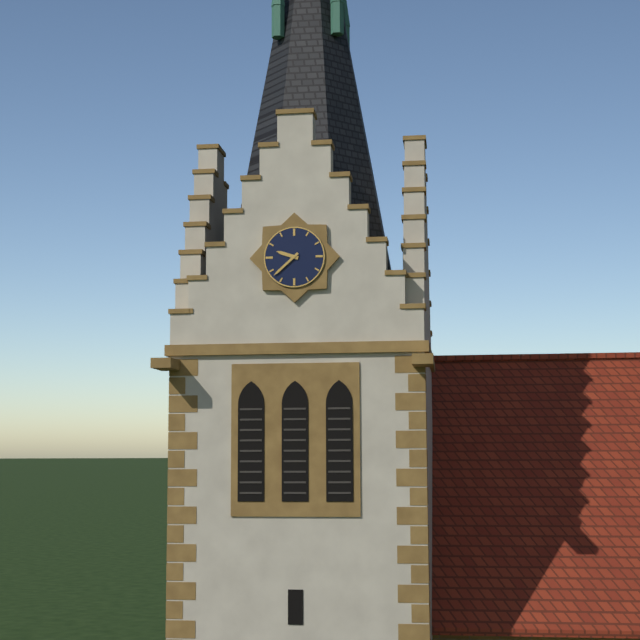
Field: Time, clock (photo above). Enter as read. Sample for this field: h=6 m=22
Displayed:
h=9 m=38
